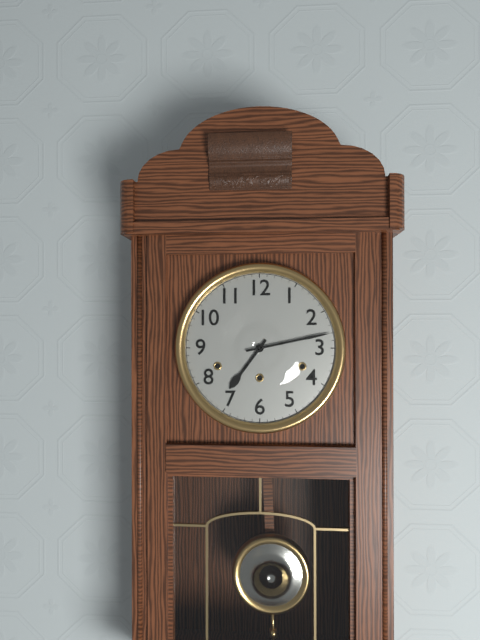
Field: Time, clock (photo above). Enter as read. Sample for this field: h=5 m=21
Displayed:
h=7 m=13
